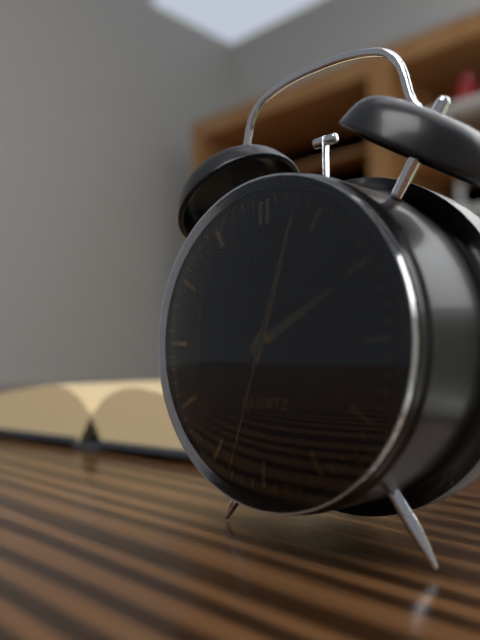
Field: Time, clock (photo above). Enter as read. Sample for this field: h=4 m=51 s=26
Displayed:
h=2 m=3 s=33
